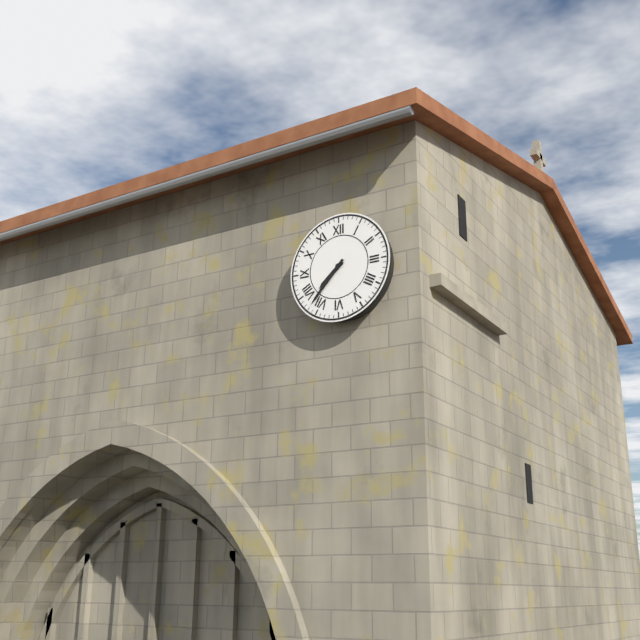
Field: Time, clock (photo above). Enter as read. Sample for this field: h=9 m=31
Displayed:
h=7 m=37
